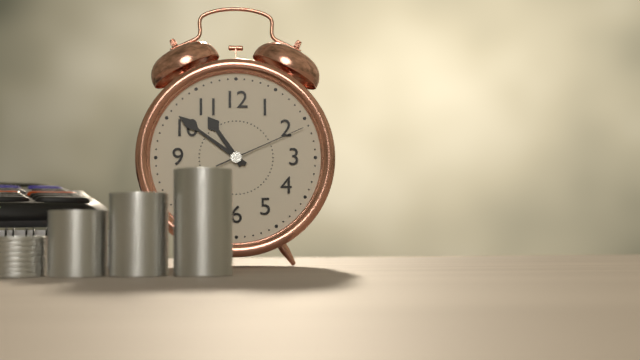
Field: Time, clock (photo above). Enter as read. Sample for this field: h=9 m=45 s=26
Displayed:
h=10 m=51 s=11
